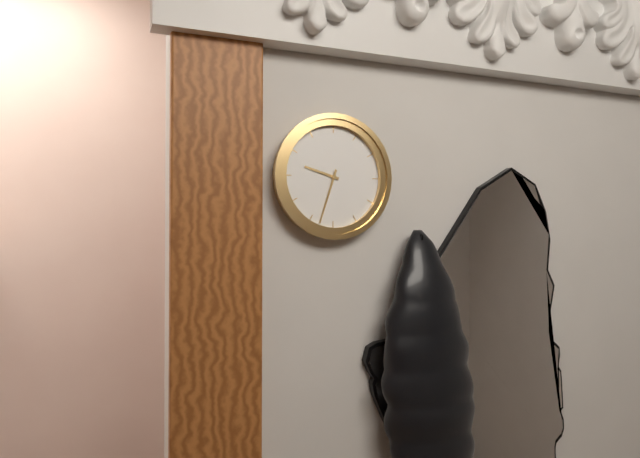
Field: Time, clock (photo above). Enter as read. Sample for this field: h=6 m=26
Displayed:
h=9 m=33
